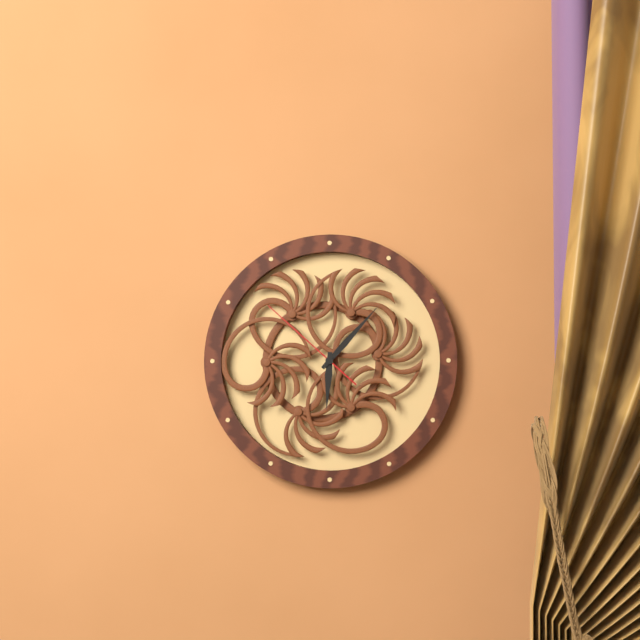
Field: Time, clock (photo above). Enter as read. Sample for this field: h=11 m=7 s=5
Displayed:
h=6 m=7 s=52
